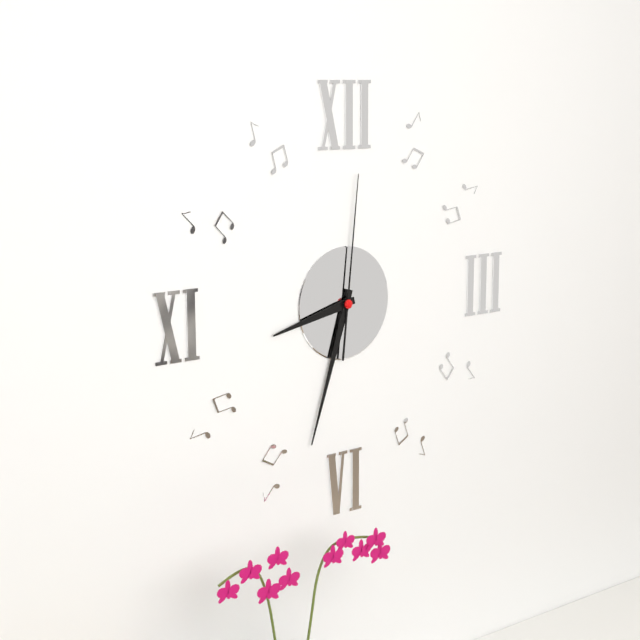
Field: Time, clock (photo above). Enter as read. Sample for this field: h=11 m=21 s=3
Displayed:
h=8 m=33 s=1
